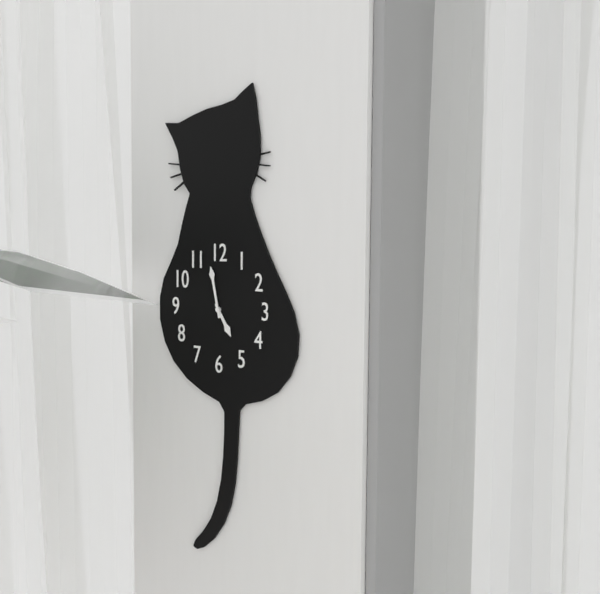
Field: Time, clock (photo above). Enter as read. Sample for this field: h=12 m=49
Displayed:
h=4 m=58
